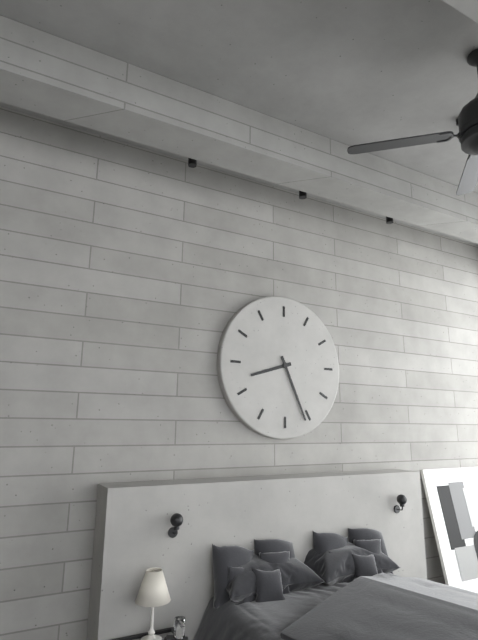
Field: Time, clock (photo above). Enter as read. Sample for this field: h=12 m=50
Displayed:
h=8 m=26
